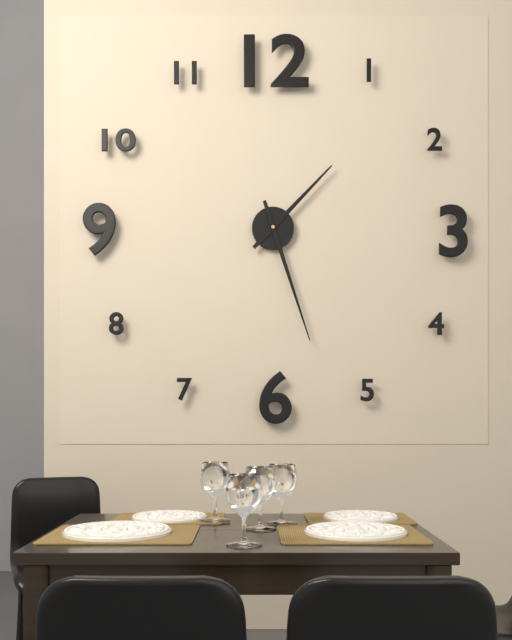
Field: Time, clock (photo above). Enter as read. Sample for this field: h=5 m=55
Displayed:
h=1 m=27
